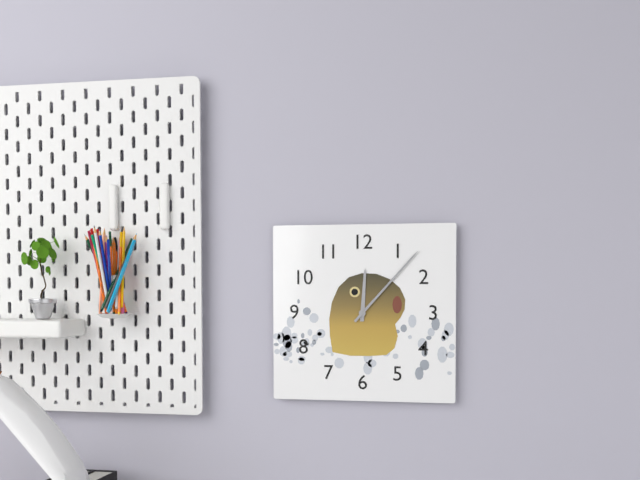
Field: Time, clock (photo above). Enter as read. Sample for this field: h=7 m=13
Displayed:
h=12 m=7
